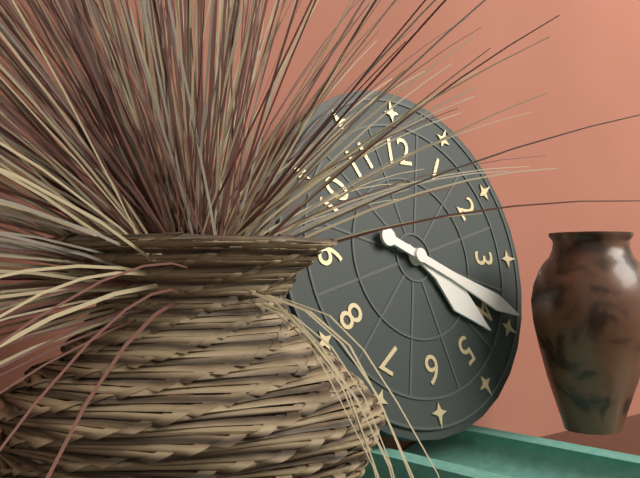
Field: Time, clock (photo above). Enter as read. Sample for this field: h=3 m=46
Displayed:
h=4 m=19
